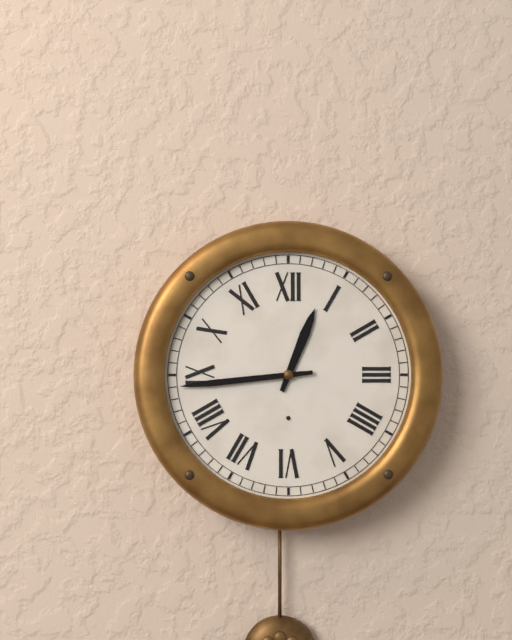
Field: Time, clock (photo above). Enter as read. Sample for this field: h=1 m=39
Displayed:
h=12 m=44
